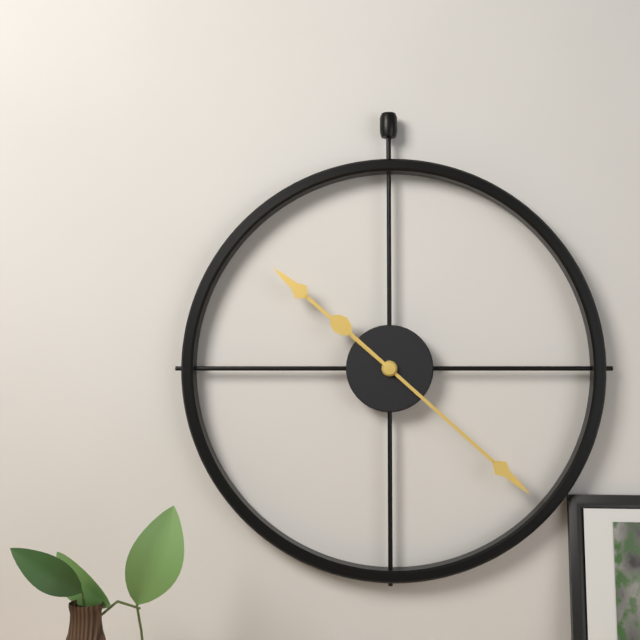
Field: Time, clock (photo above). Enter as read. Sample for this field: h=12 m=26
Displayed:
h=10 m=22
